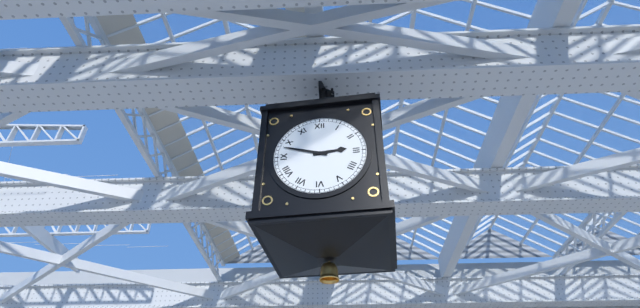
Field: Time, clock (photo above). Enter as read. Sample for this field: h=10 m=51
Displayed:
h=2 m=48
